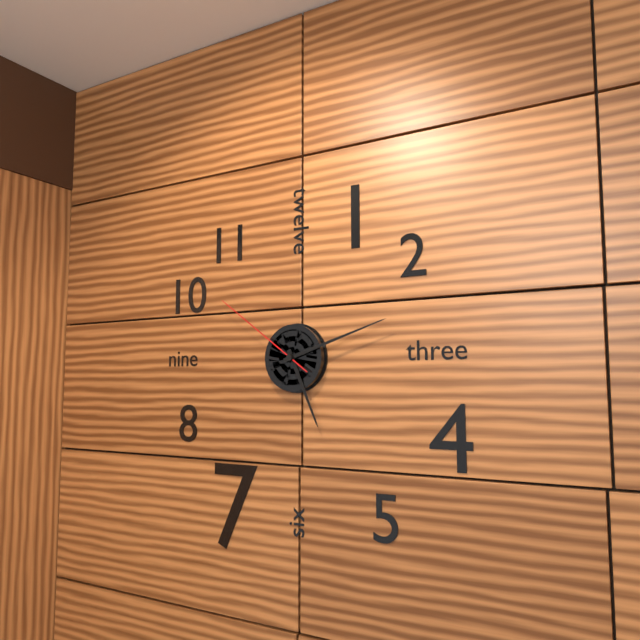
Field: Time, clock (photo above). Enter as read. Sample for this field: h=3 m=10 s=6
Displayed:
h=5 m=12 s=51
